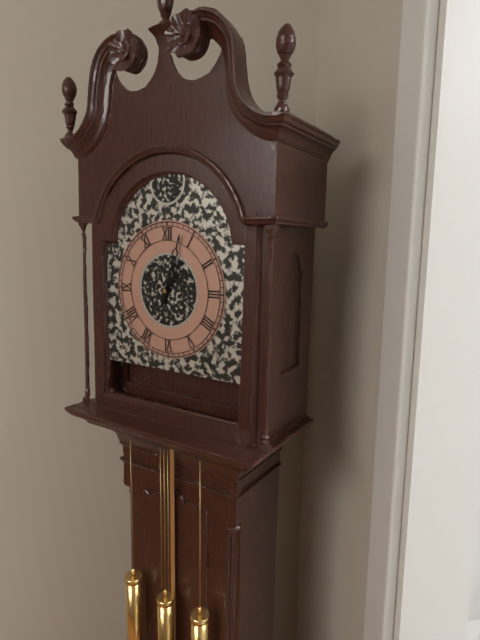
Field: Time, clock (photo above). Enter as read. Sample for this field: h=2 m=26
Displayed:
h=1 m=3
